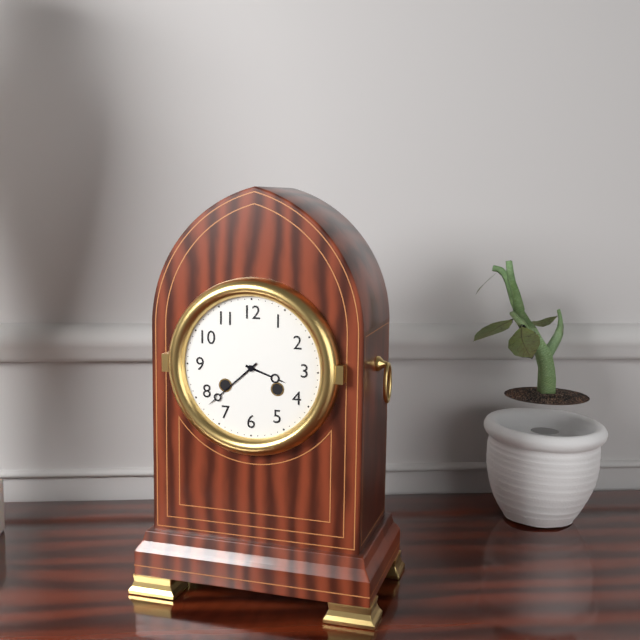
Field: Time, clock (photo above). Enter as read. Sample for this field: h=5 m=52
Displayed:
h=3 m=38
